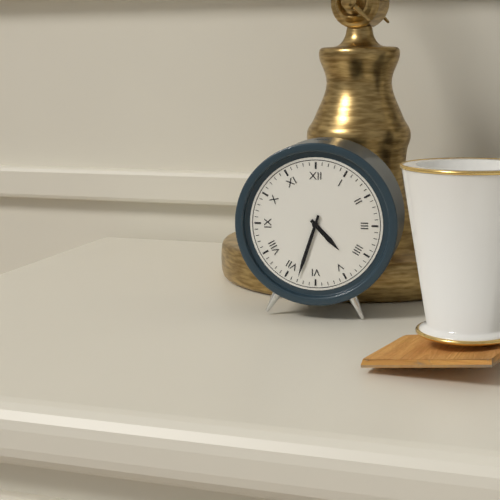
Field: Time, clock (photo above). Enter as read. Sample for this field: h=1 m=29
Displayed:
h=4 m=33
